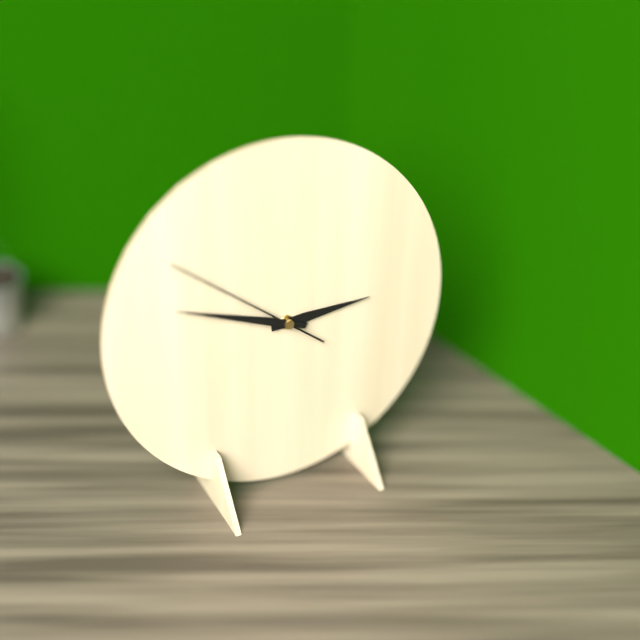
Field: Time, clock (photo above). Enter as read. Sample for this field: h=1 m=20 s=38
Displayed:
h=2 m=48 s=51
